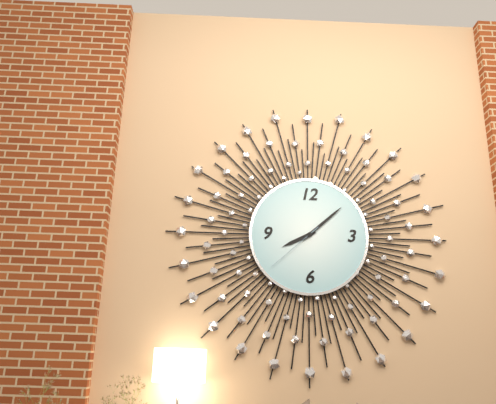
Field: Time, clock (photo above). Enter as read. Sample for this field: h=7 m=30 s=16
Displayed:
h=8 m=8 s=38
